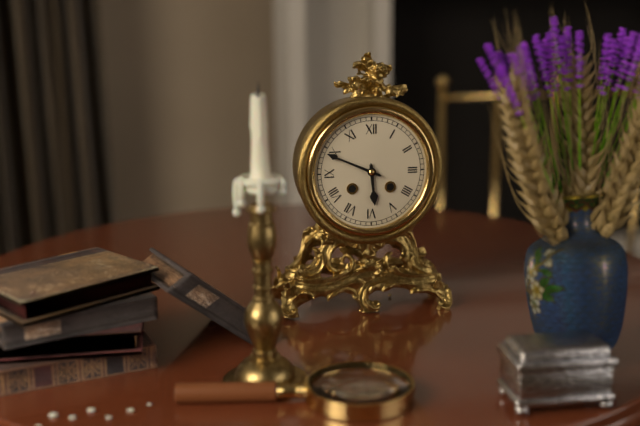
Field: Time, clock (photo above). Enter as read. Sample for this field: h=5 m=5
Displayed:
h=5 m=49
